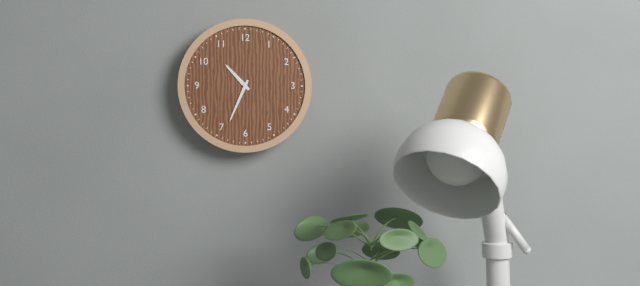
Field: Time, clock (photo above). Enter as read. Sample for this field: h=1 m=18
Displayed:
h=10 m=34
